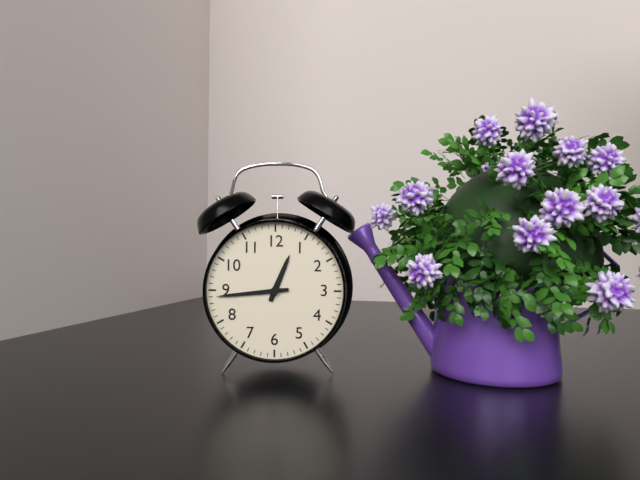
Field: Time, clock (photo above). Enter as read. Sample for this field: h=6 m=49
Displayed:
h=12 m=44
